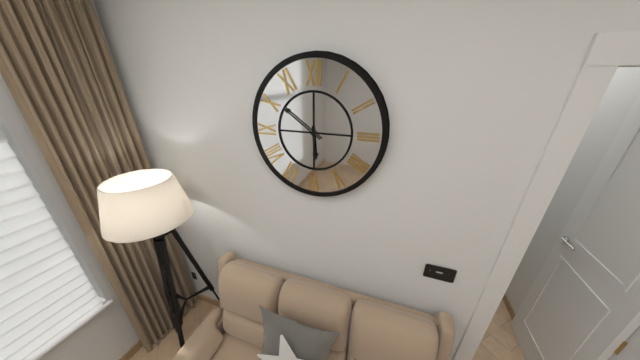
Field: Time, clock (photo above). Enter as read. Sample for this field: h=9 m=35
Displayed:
h=5 m=51
